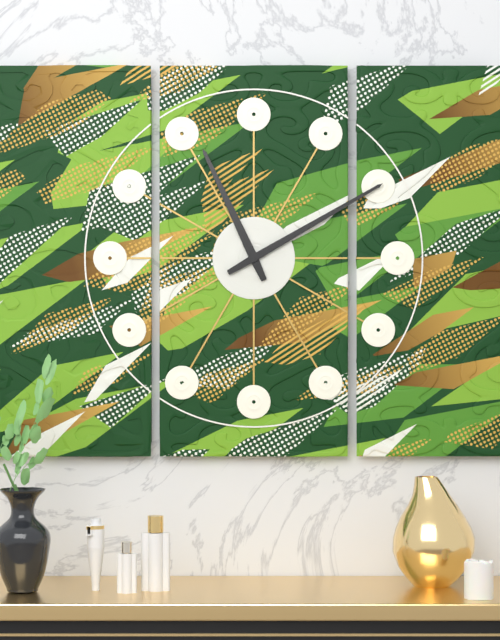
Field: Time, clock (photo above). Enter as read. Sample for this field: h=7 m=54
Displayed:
h=11 m=10
